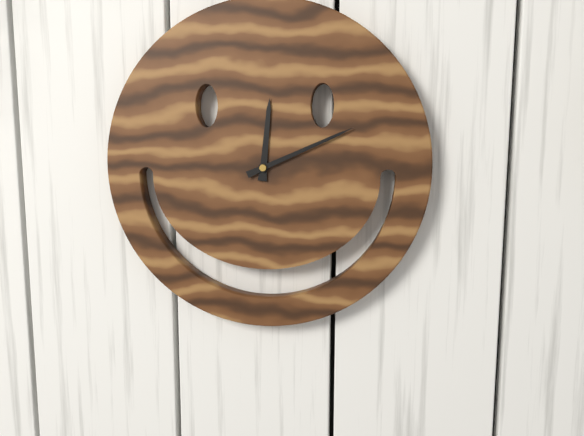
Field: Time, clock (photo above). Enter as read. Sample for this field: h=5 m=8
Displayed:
h=12 m=11
